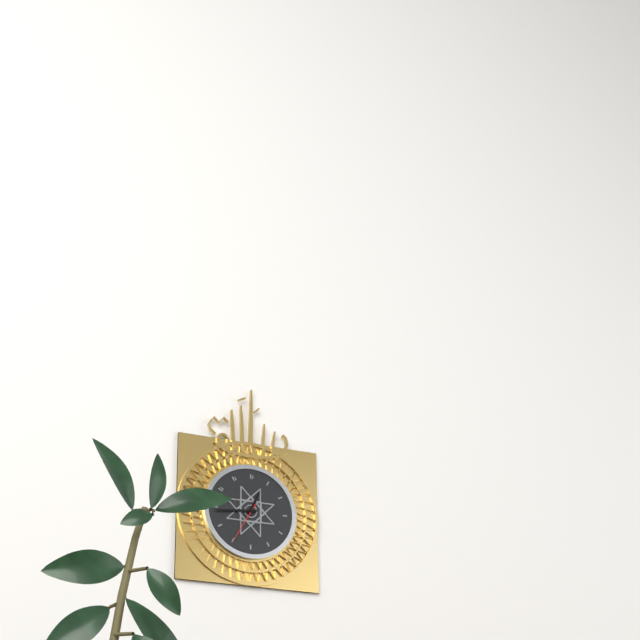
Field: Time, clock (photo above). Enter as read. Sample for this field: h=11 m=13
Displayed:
h=12 m=44
